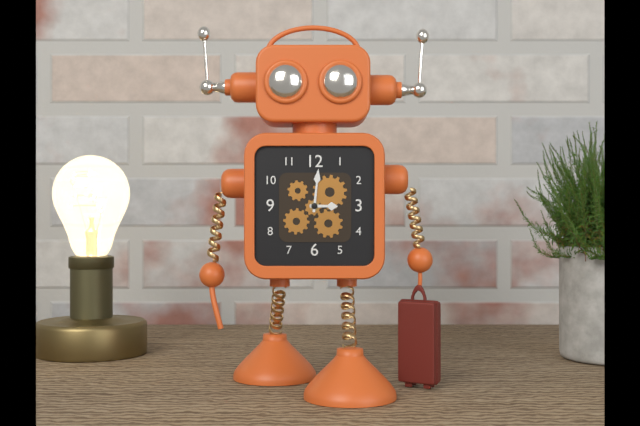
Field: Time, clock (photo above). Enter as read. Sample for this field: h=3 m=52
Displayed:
h=3 m=1
